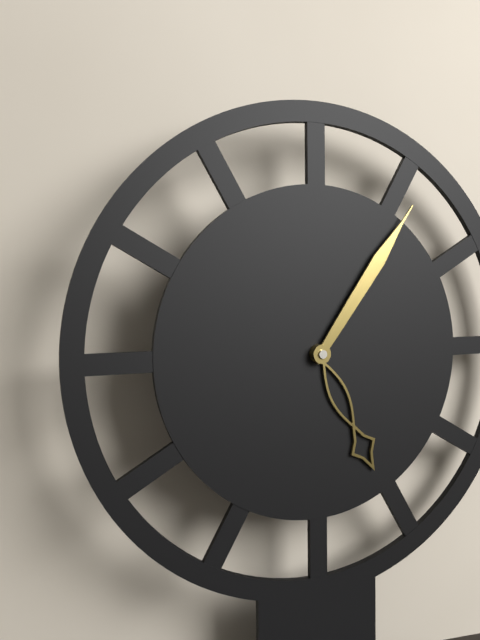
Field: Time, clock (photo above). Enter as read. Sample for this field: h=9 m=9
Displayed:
h=5 m=6
